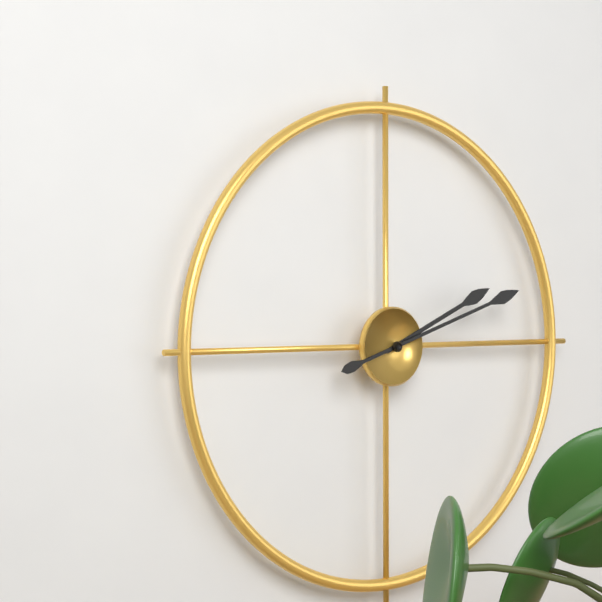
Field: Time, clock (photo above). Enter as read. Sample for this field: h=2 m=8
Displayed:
h=2 m=12
